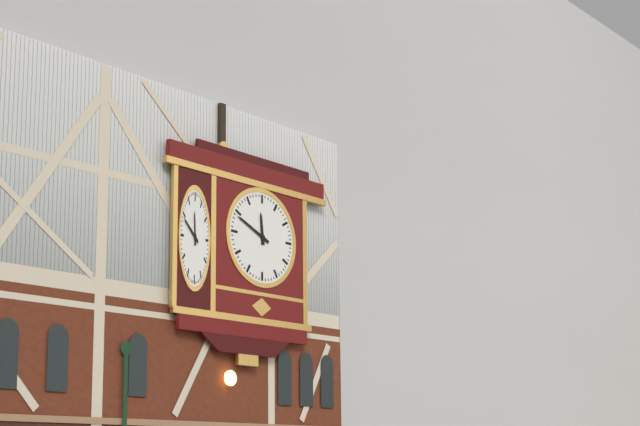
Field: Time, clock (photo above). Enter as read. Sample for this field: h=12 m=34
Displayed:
h=11 m=49
